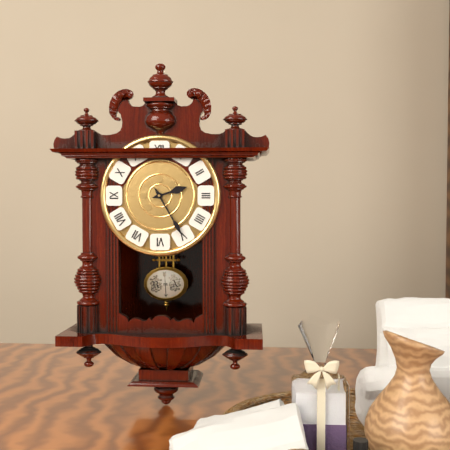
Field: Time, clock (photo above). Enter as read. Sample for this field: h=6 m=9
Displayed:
h=2 m=25
